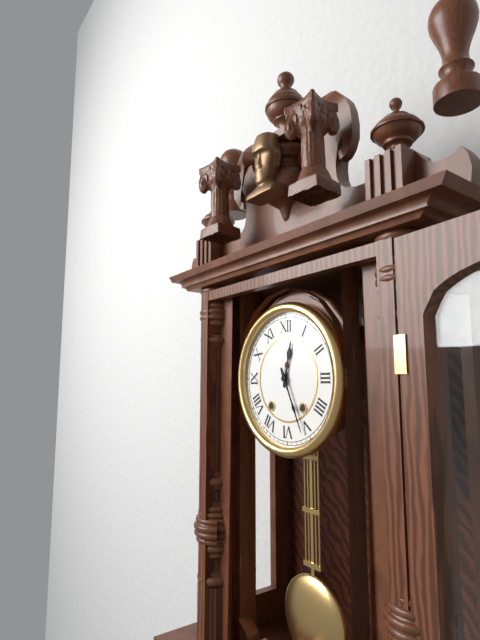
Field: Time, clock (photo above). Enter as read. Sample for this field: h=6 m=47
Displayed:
h=12 m=26
